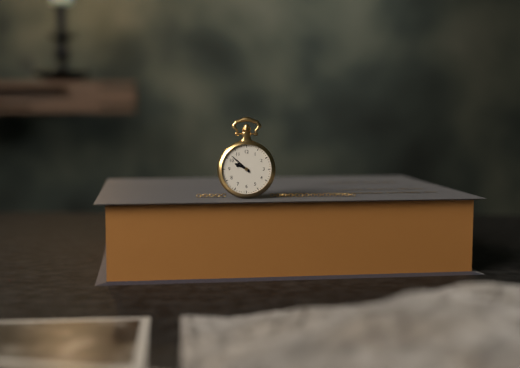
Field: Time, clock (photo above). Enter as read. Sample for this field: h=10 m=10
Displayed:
h=9 m=52
